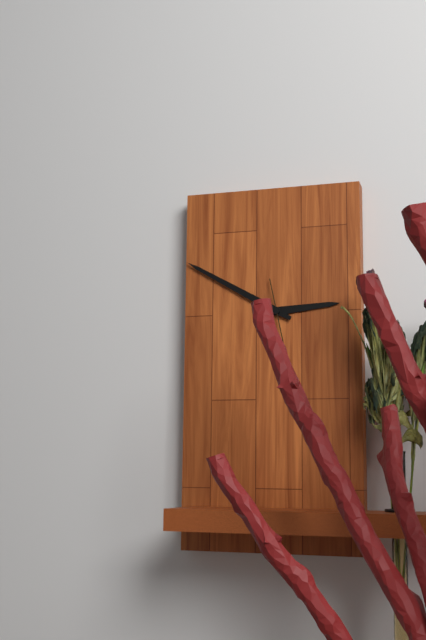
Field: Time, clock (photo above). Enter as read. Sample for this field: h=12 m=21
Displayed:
h=2 m=50
